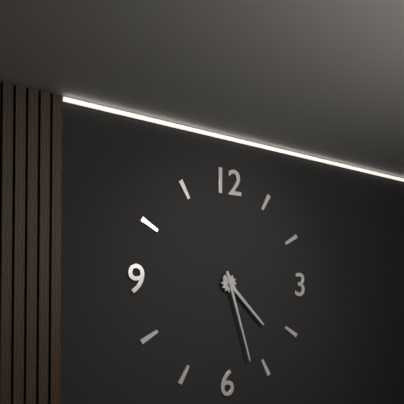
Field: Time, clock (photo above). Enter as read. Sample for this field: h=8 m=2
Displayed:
h=4 m=27
